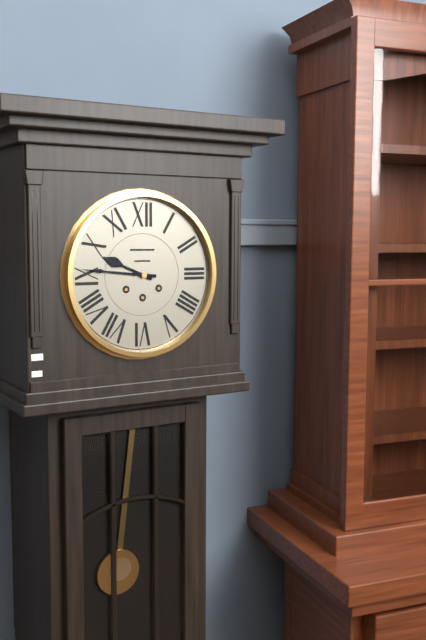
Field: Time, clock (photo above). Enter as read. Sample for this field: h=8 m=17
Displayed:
h=9 m=46
